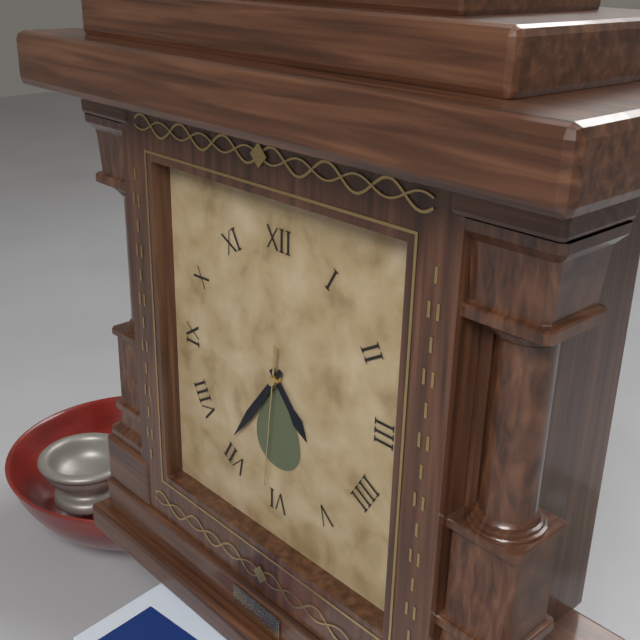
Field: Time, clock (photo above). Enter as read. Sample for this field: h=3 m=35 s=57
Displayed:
h=4 m=36 s=31
